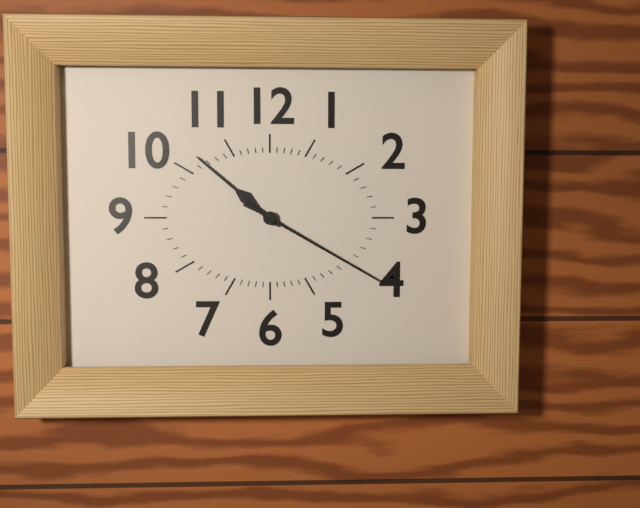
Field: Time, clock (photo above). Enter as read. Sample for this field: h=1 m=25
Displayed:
h=10 m=20
